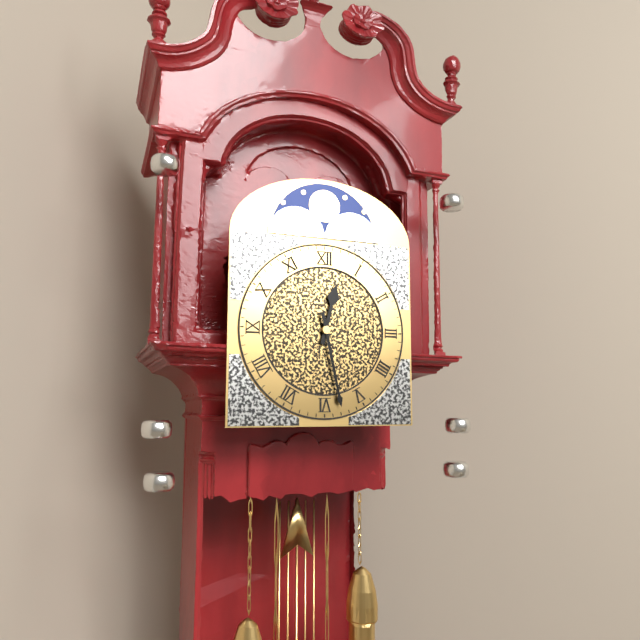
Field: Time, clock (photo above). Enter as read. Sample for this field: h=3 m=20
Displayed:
h=12 m=28
